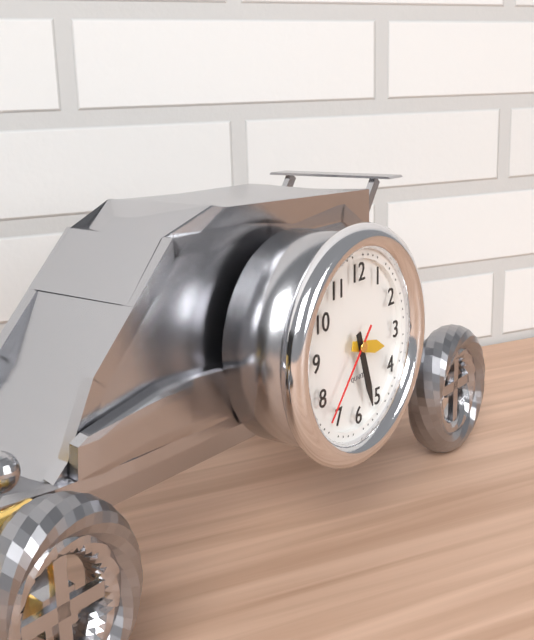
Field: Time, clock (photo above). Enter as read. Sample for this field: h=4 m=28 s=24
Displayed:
h=3 m=27 s=37
